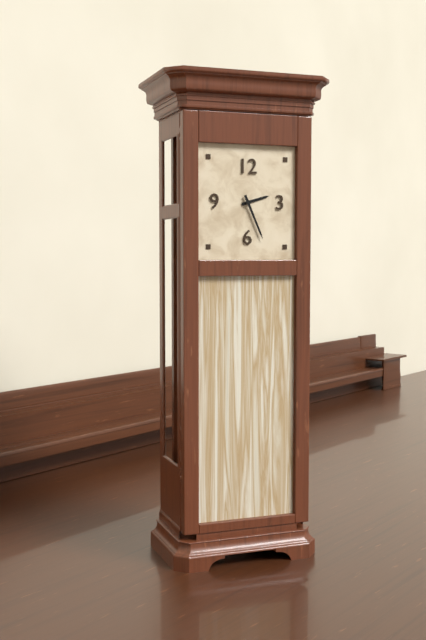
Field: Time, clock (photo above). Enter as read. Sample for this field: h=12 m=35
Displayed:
h=2 m=26
